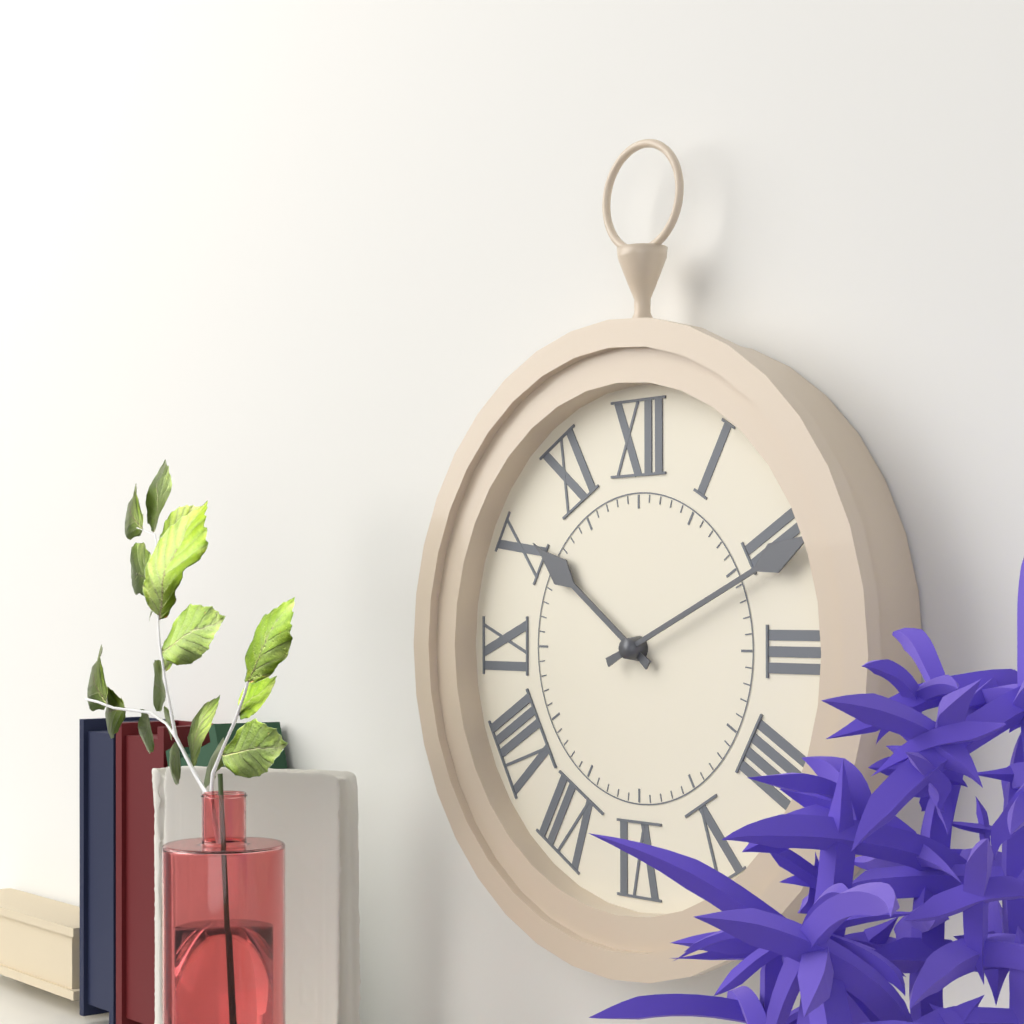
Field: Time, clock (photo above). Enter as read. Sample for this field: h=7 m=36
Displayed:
h=10 m=11
